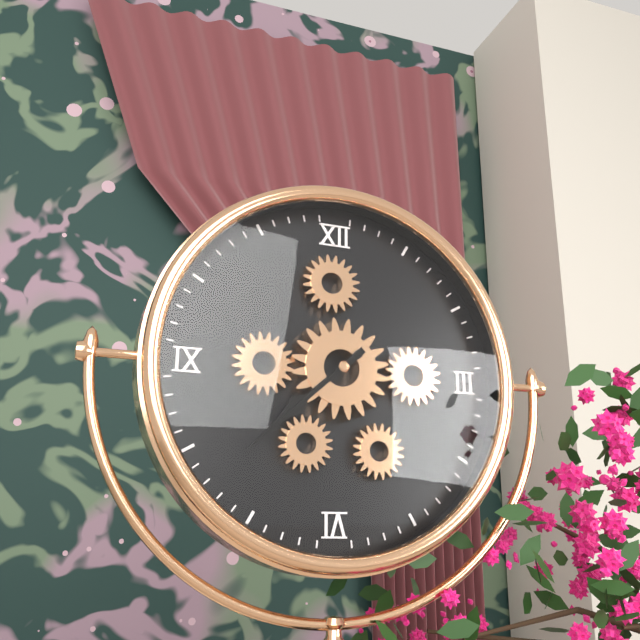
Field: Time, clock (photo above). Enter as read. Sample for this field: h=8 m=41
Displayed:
h=7 m=38
